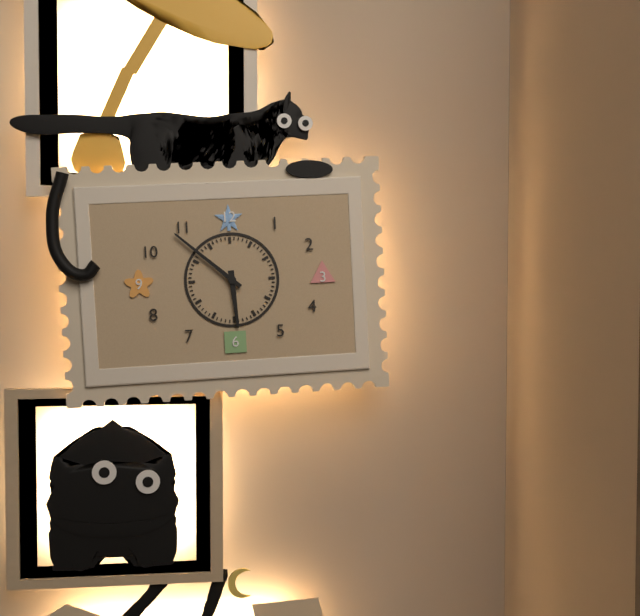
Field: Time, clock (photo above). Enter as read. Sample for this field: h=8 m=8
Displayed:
h=5 m=52
